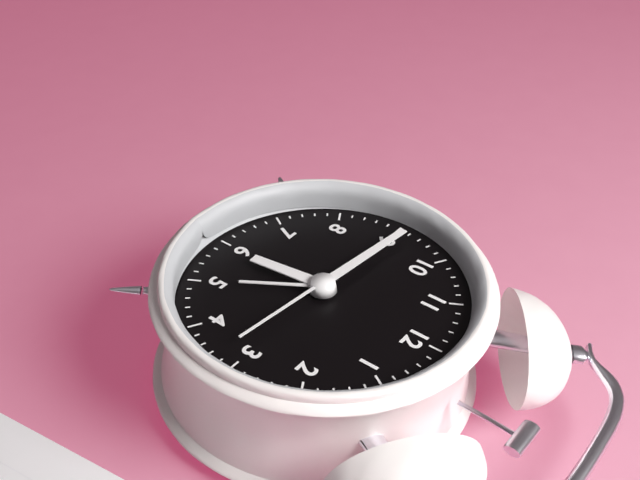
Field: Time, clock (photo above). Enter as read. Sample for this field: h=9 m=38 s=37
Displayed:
h=5 m=46 s=16
